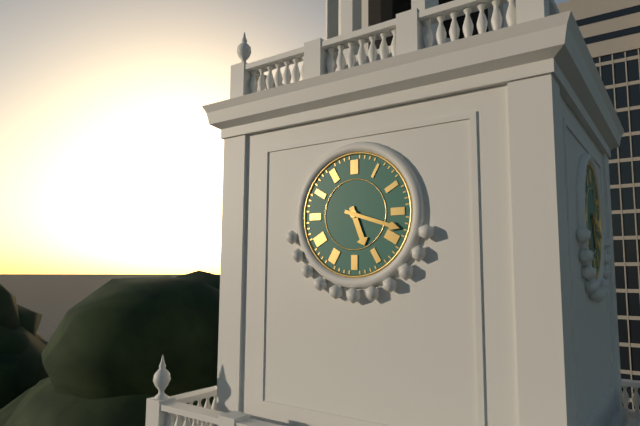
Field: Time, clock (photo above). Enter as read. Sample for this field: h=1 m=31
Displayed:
h=5 m=18
